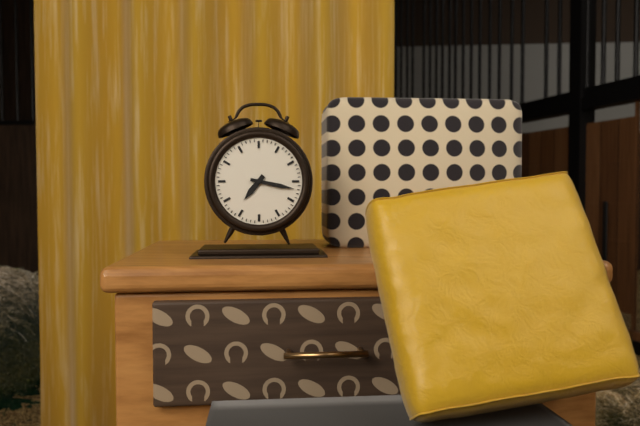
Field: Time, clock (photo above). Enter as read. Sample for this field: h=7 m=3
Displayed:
h=7 m=17
